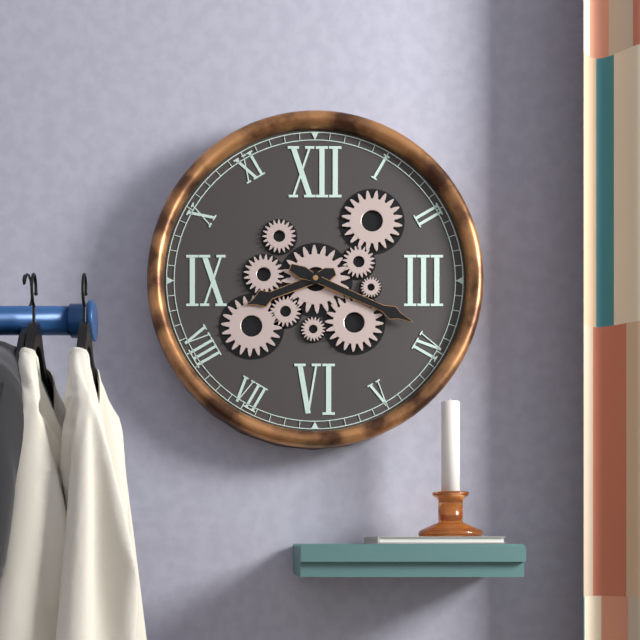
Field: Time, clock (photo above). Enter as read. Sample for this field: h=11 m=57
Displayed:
h=8 m=19
